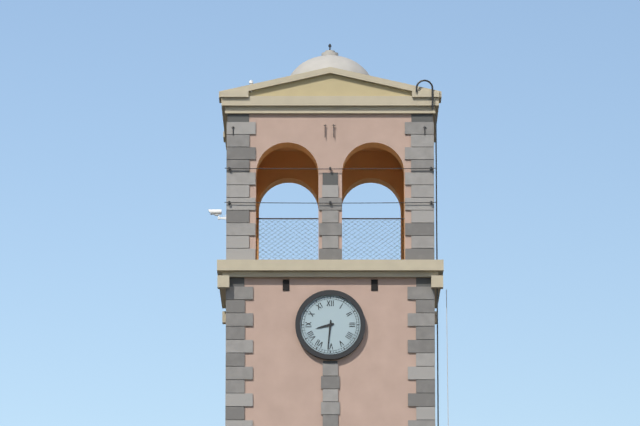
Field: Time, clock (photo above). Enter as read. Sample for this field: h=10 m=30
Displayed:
h=8 m=31
